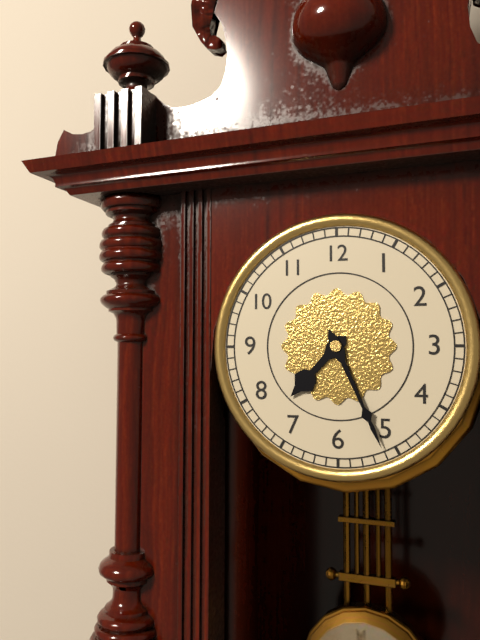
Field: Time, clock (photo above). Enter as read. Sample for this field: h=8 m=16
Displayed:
h=7 m=26
